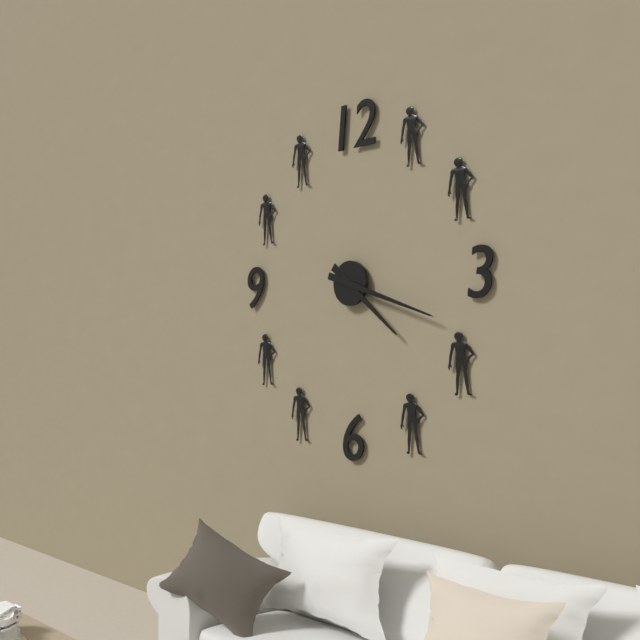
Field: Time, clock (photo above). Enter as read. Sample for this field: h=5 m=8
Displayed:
h=4 m=18
